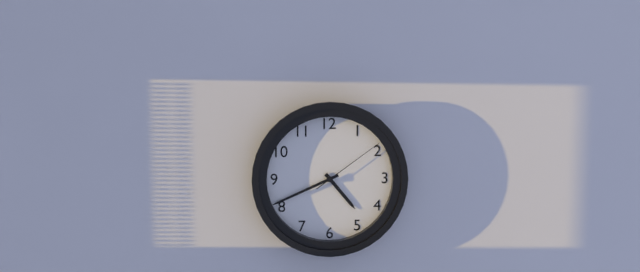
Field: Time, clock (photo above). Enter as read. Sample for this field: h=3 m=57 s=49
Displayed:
h=4 m=41 s=9
